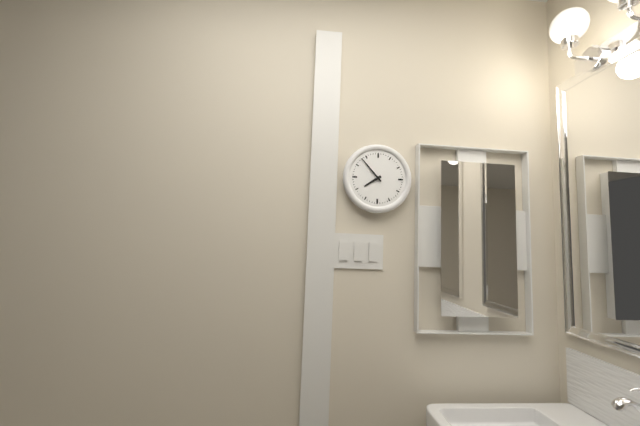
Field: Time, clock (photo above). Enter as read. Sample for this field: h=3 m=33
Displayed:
h=7 m=53
